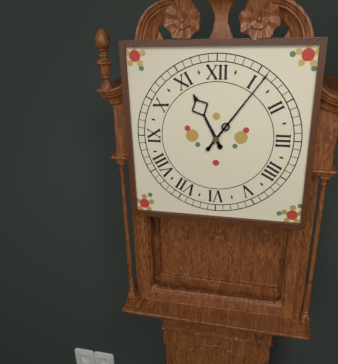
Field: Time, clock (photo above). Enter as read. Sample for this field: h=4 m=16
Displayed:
h=11 m=6
